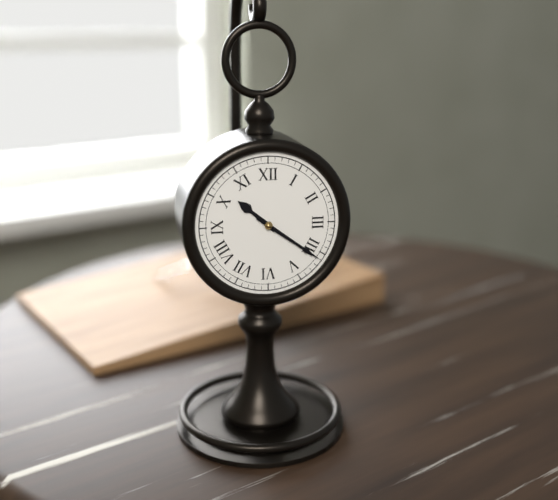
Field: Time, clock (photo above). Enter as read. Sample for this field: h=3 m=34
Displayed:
h=10 m=21
